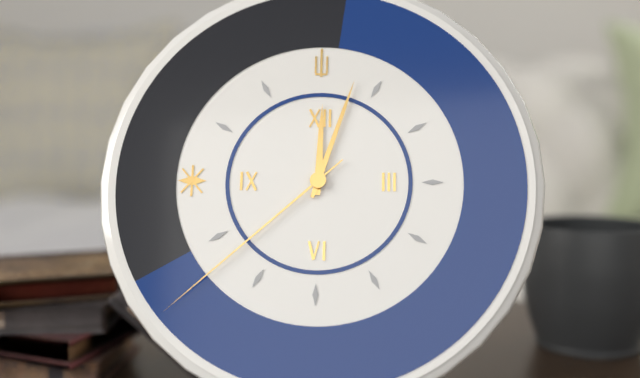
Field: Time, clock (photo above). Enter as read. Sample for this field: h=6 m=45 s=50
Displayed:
h=12 m=3 s=38
